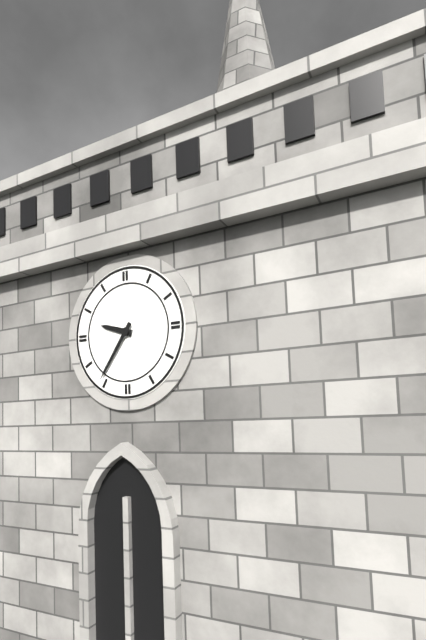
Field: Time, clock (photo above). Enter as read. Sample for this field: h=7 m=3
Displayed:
h=9 m=36
